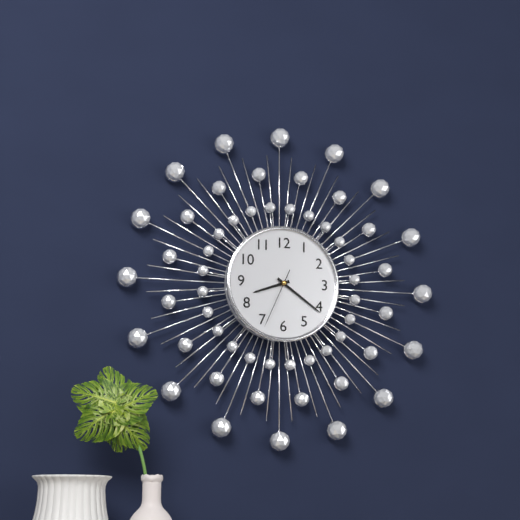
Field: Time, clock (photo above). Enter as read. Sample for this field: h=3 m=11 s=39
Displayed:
h=8 m=21 s=34
